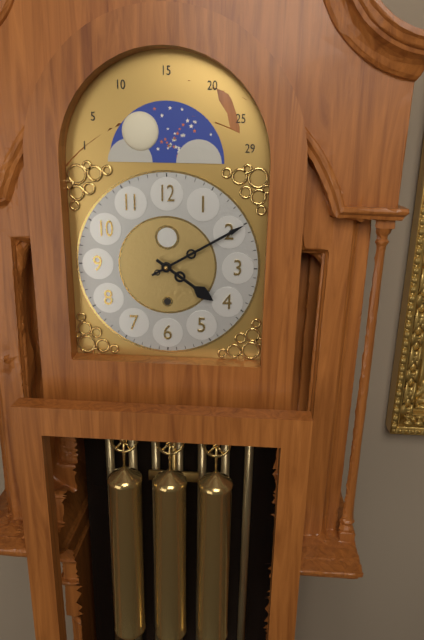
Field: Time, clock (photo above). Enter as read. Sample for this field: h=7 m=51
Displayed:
h=4 m=10
